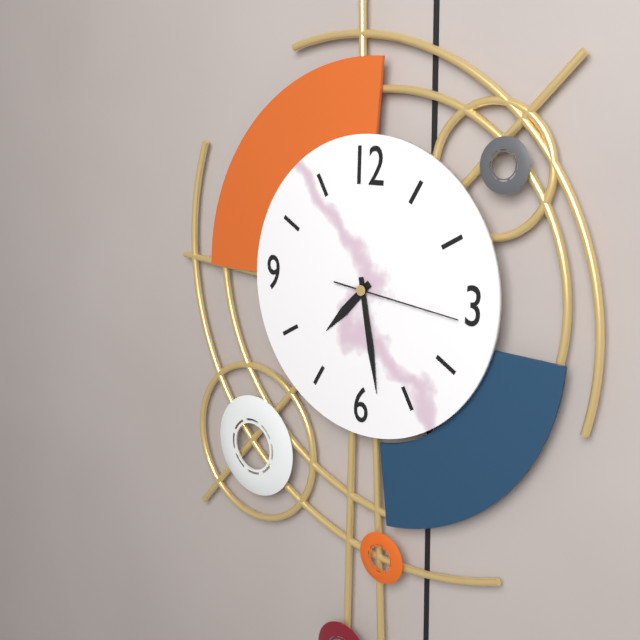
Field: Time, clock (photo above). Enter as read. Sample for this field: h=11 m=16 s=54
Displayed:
h=7 m=28 s=16
